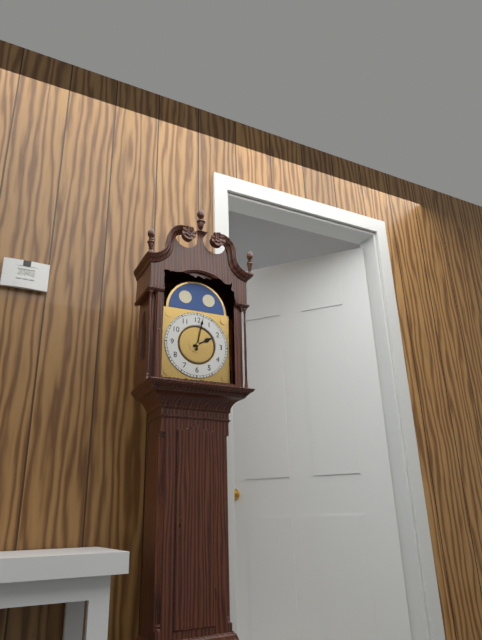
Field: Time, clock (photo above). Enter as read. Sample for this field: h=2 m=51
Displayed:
h=2 m=2
